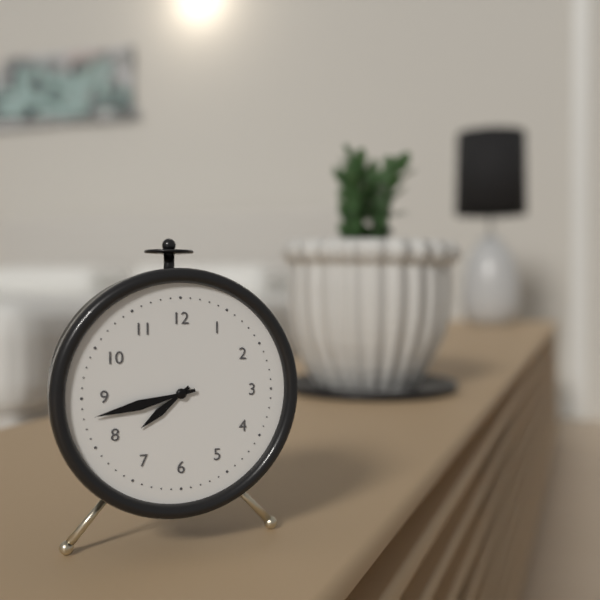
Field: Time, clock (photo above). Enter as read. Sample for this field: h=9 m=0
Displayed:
h=7 m=43
